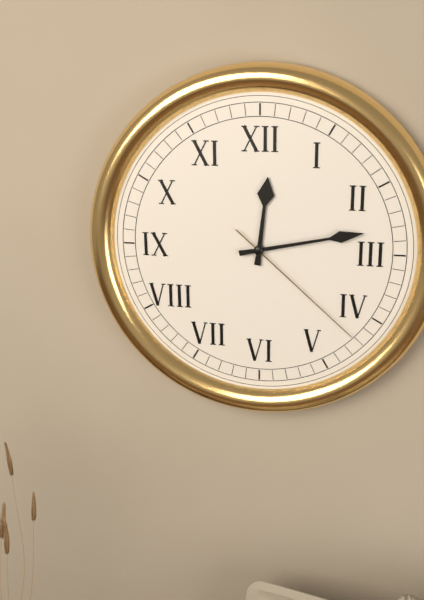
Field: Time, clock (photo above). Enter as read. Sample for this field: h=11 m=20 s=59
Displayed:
h=12 m=13 s=22
